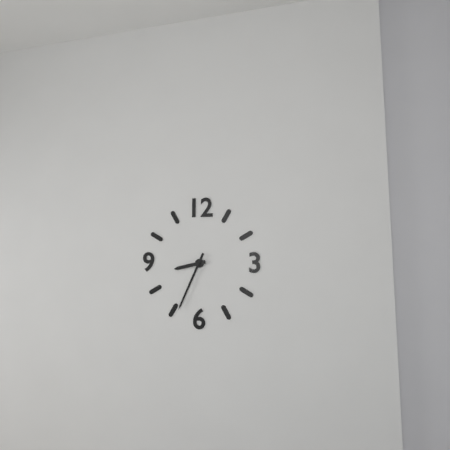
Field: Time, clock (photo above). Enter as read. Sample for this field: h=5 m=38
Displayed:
h=8 m=34
